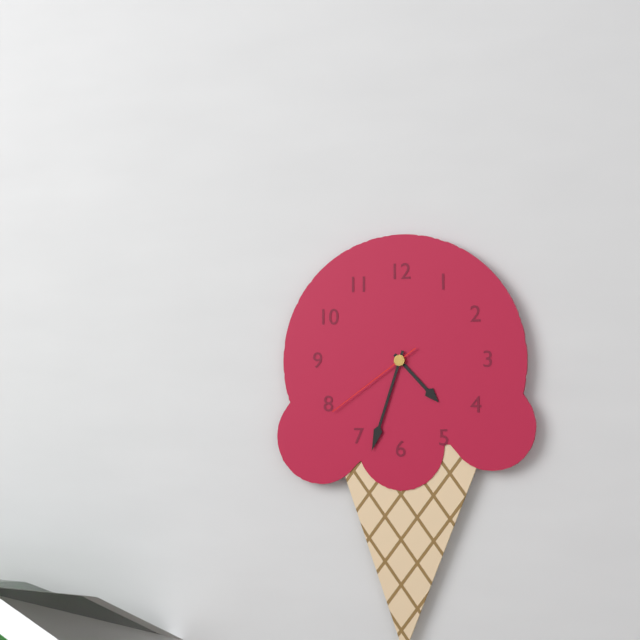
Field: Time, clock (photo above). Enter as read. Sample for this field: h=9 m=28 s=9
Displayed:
h=4 m=33 s=39
